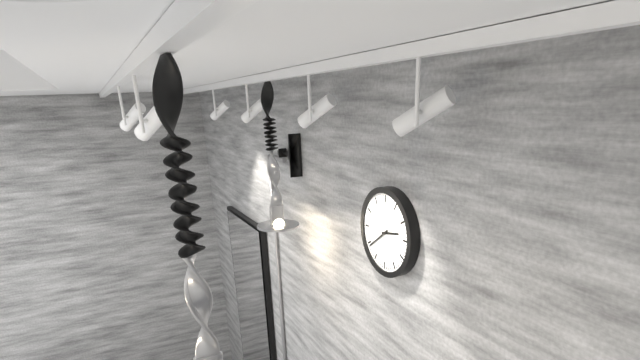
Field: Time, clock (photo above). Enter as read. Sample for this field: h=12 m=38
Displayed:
h=2 m=39
